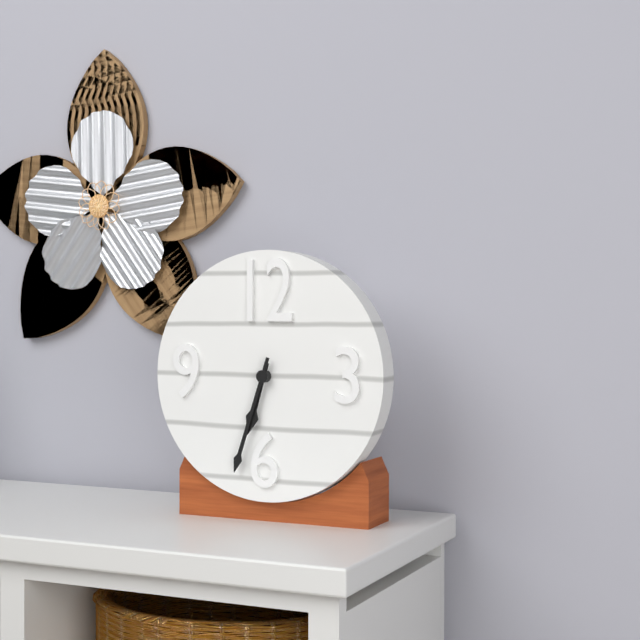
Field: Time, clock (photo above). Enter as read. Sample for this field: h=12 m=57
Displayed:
h=6 m=33
